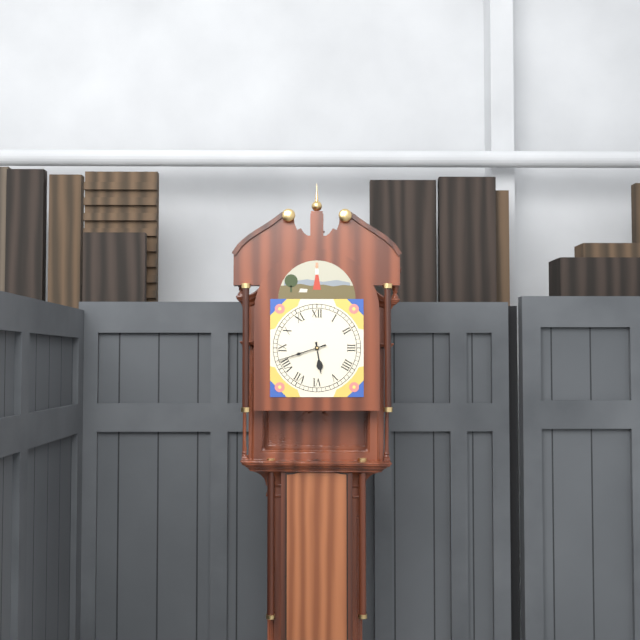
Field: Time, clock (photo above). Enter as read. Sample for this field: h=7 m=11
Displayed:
h=5 m=42
